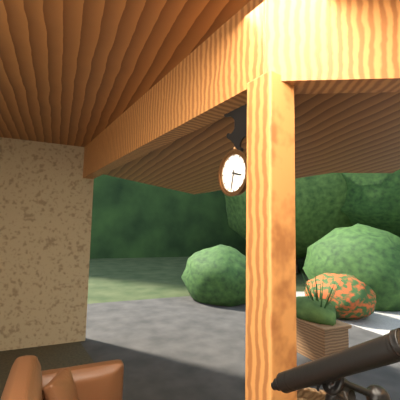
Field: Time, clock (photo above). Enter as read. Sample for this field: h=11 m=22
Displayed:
h=3 m=32
